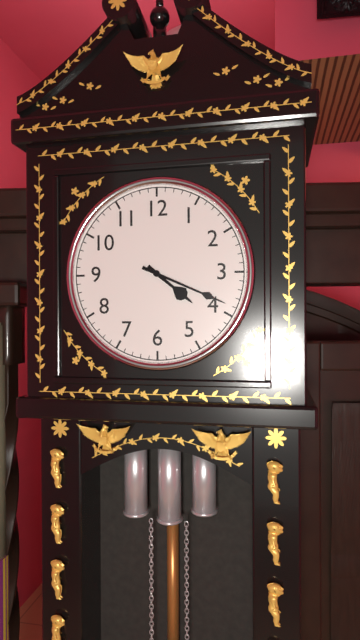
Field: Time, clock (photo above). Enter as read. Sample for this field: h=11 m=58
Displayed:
h=4 m=19
